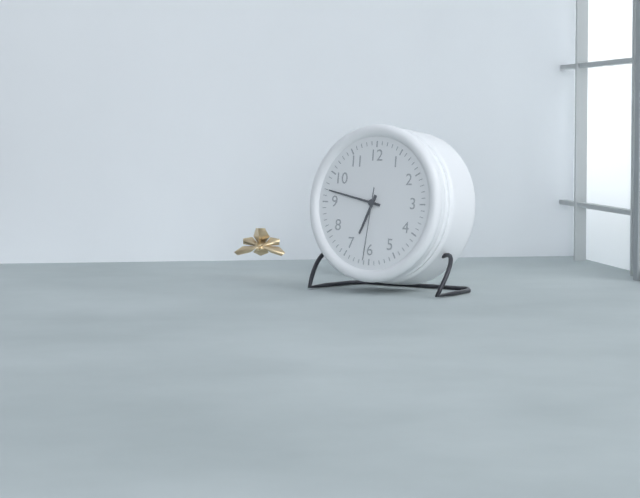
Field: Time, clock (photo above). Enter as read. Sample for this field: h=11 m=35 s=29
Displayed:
h=6 m=47 s=31
